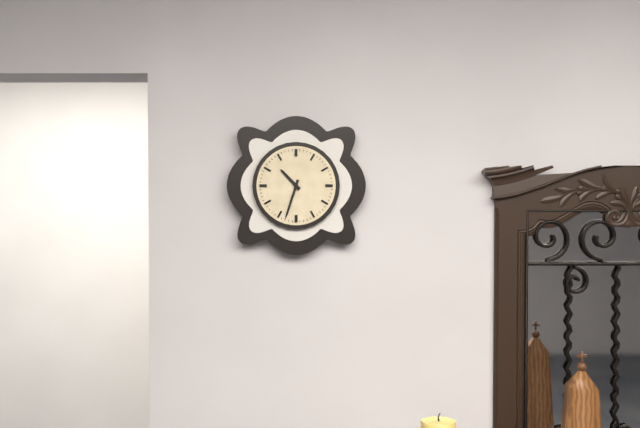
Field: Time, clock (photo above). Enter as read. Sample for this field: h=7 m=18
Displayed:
h=10 m=33
